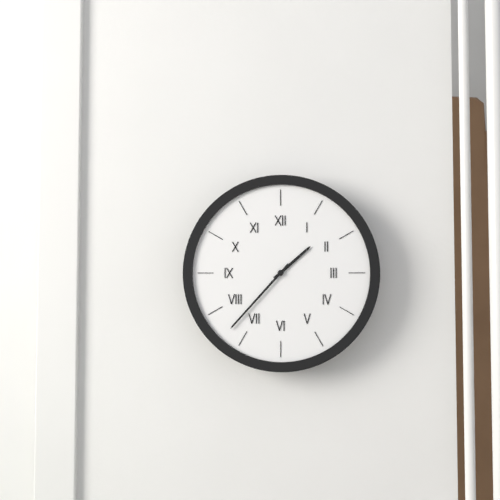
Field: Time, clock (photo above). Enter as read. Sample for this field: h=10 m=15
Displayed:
h=1 m=37
